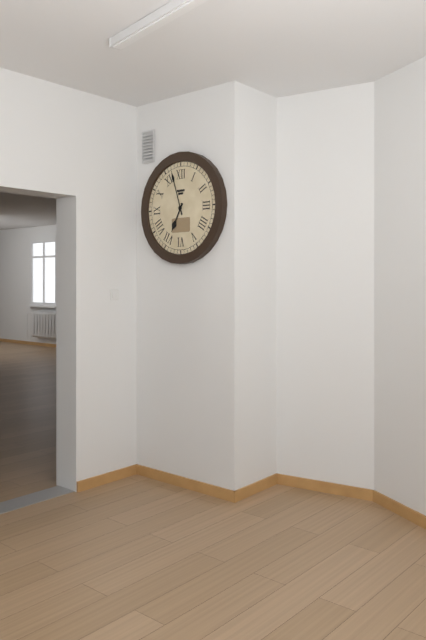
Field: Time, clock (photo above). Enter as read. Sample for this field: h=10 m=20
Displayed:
h=6 m=57
